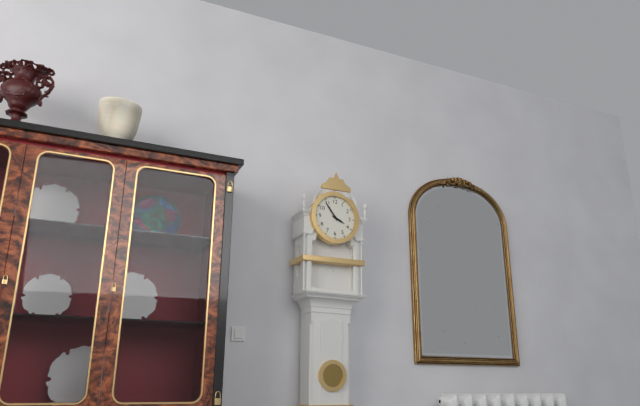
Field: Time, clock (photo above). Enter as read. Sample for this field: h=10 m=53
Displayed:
h=3 m=54
